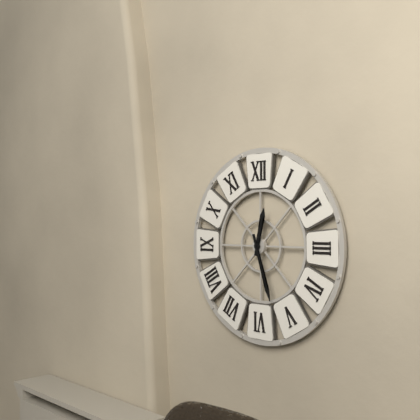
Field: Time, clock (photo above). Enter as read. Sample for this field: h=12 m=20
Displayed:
h=12 m=27
